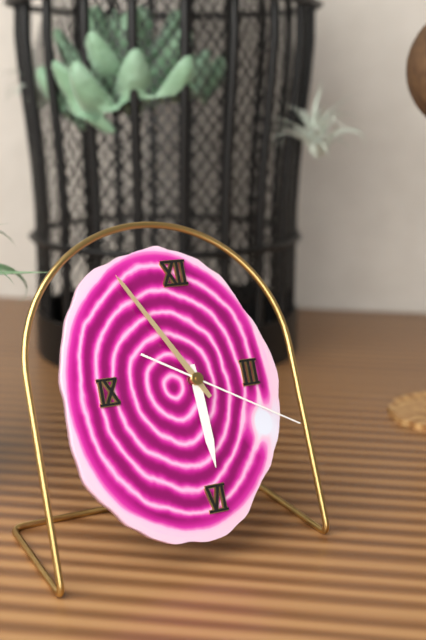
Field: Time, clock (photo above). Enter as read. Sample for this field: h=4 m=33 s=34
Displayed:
h=5 m=55 s=20
